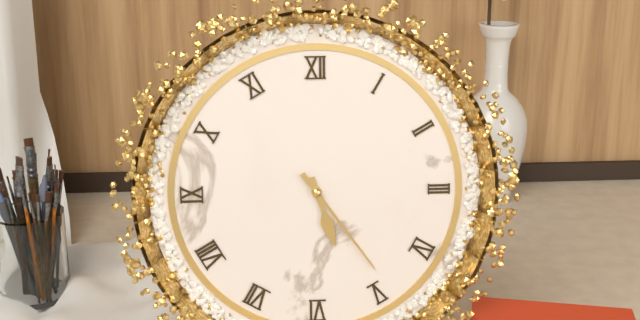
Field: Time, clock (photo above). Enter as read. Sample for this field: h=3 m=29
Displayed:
h=5 m=24
